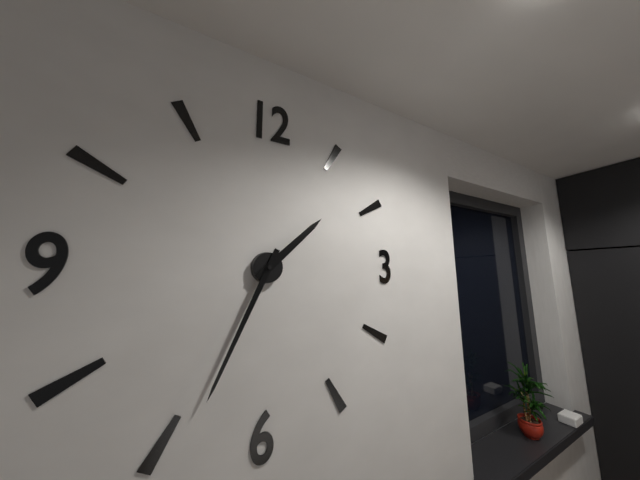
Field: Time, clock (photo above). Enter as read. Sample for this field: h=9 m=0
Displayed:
h=1 m=34
